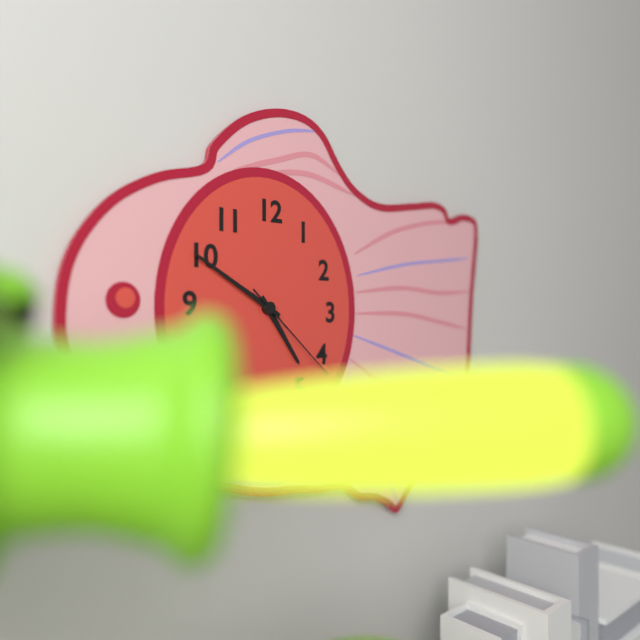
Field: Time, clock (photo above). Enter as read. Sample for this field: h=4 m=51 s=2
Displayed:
h=4 m=50 s=22
